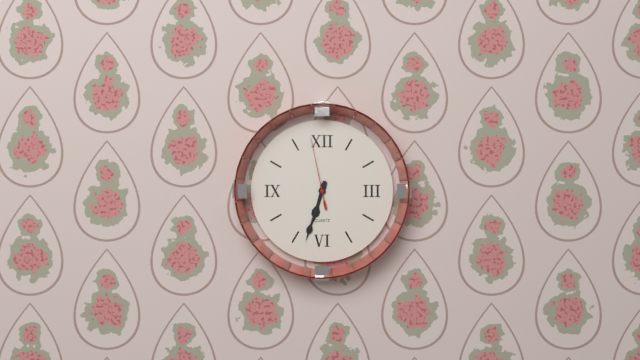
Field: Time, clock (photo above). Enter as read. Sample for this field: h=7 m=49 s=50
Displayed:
h=6 m=33 s=58
